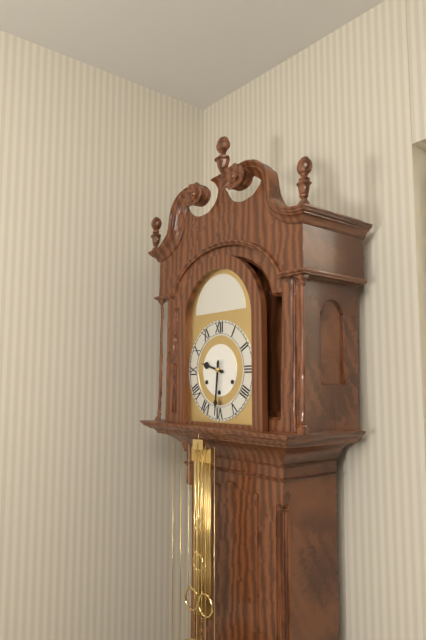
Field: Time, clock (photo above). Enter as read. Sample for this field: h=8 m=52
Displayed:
h=9 m=31
